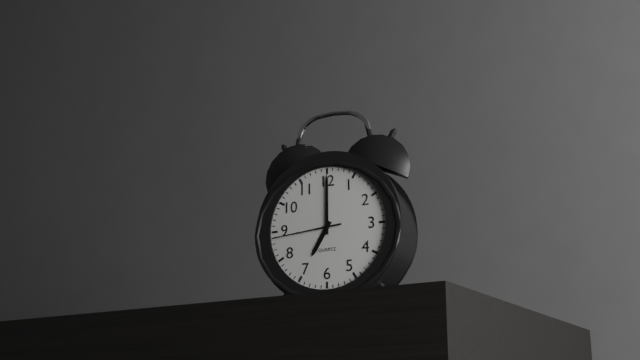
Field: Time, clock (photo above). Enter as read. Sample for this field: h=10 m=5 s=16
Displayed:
h=7 m=0 s=44
